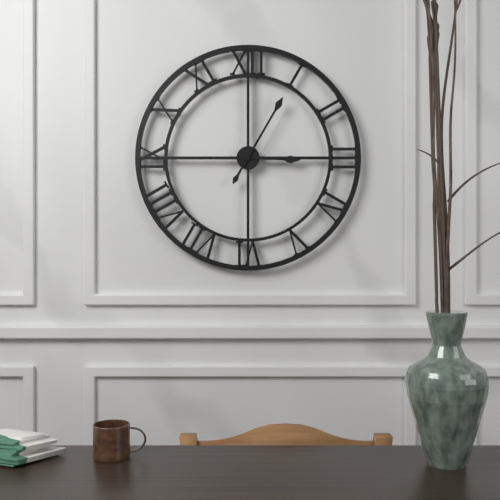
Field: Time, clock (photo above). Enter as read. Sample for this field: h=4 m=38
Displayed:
h=3 m=5
